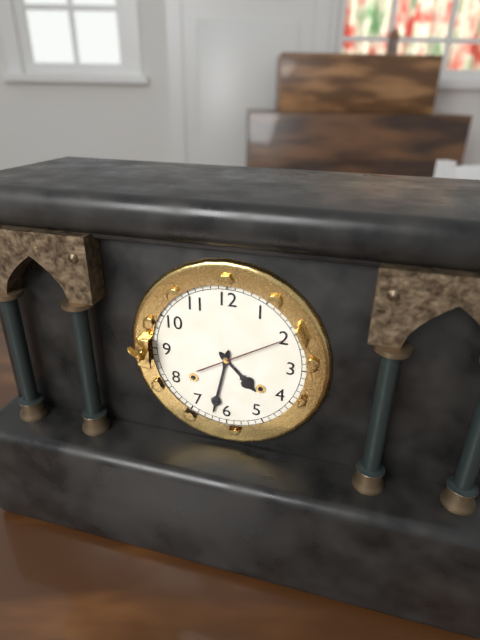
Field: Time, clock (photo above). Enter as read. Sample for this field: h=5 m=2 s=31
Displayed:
h=4 m=32 s=10
